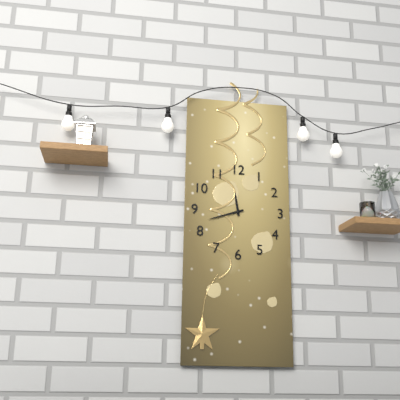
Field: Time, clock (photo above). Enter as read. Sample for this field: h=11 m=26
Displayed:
h=11 m=42
